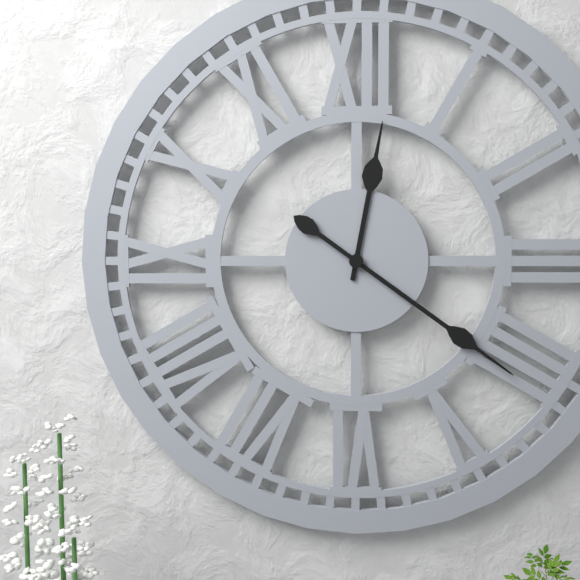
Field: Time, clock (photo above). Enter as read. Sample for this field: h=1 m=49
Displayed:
h=12 m=21
